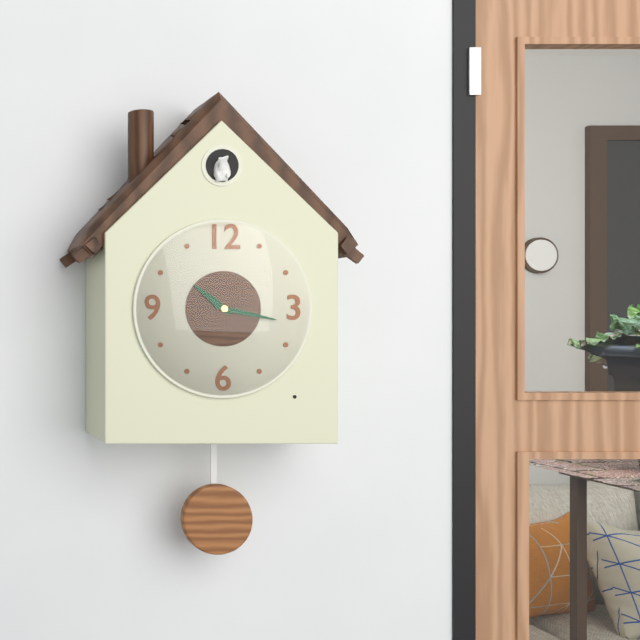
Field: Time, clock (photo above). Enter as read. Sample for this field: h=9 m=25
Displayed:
h=10 m=17
